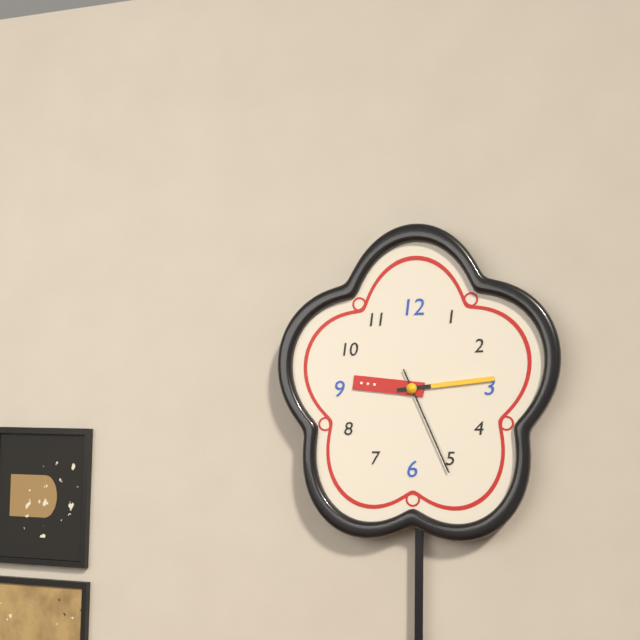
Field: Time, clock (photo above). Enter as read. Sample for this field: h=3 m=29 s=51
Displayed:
h=9 m=14 s=26
